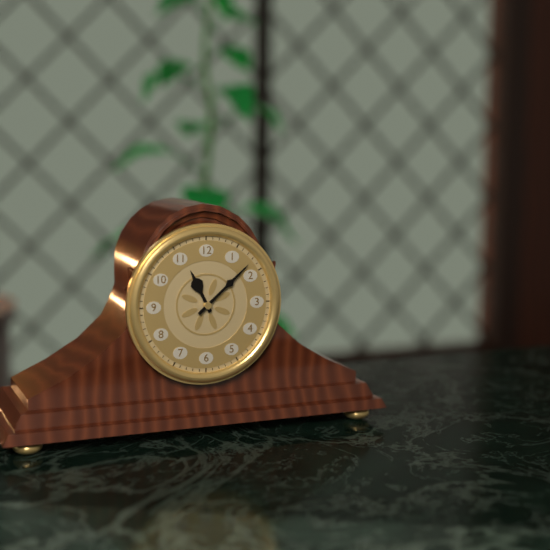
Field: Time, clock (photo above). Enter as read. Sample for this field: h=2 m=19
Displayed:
h=11 m=8
